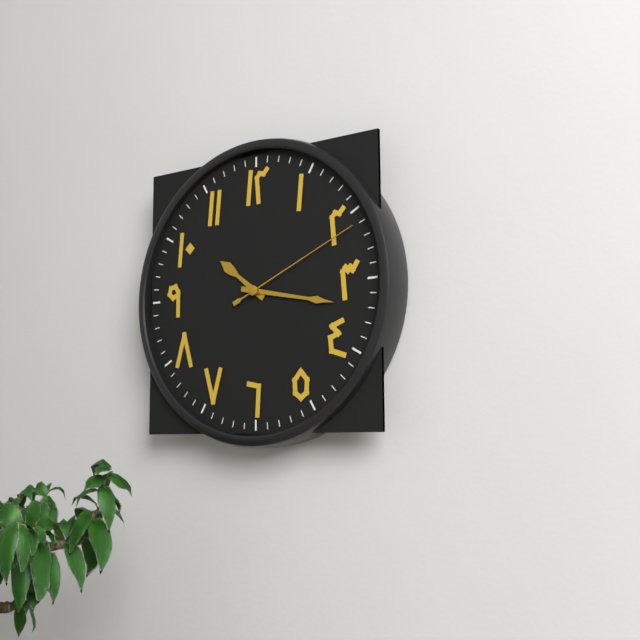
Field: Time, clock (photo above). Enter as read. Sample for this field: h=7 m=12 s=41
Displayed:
h=10 m=17 s=11
